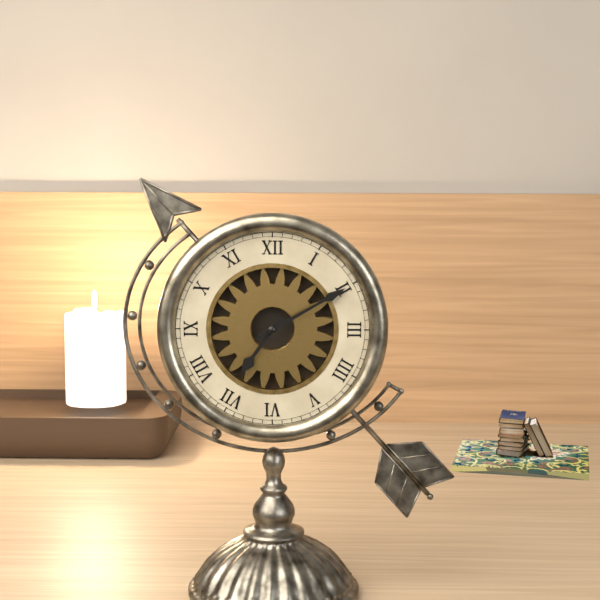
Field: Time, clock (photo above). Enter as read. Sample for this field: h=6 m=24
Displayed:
h=7 m=10
